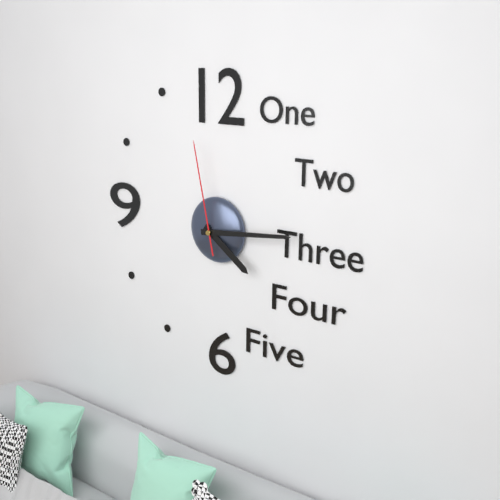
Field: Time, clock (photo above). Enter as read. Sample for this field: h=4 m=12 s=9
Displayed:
h=4 m=14 s=58
